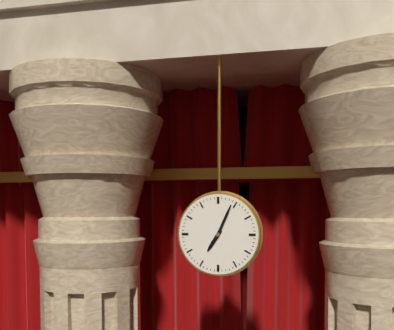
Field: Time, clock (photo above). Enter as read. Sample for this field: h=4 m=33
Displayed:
h=7 m=4
